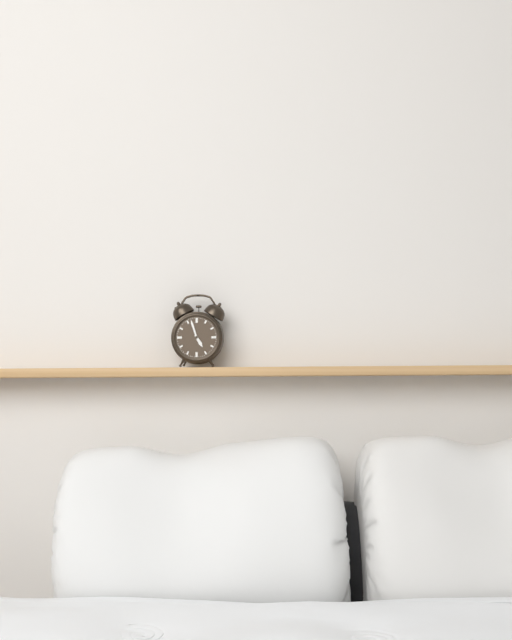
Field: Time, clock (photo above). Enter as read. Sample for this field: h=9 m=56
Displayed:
h=4 m=57
